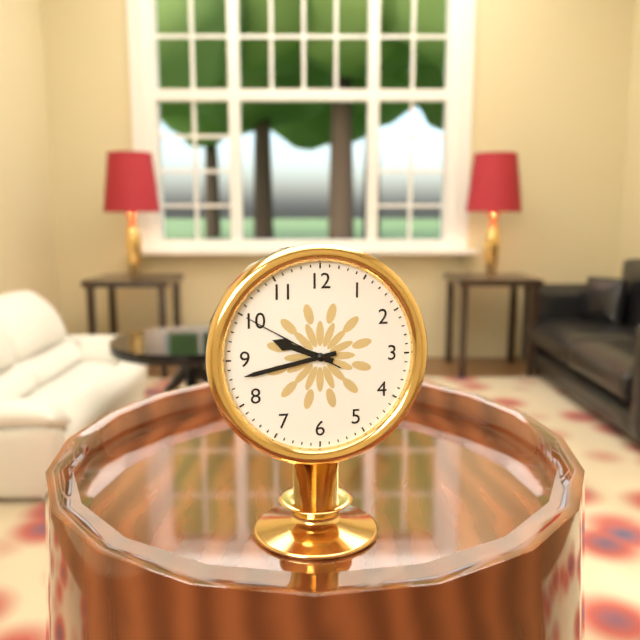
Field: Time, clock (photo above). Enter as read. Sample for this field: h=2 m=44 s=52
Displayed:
h=9 m=43 s=50
